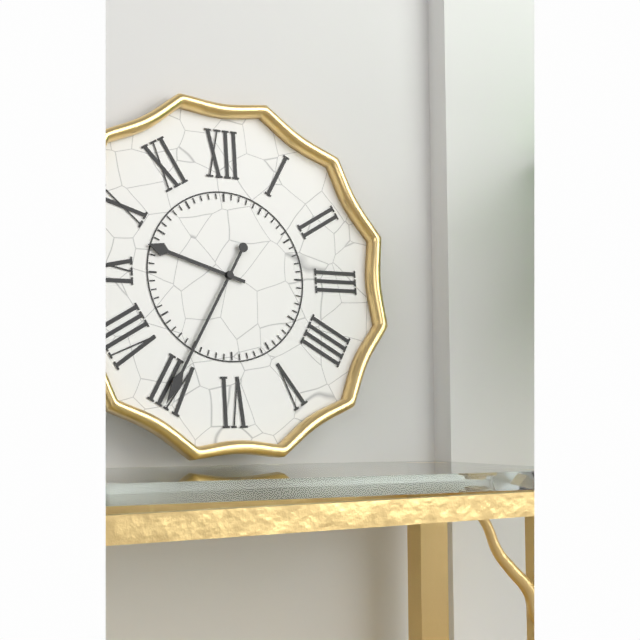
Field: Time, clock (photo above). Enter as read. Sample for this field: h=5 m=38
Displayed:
h=9 m=35
